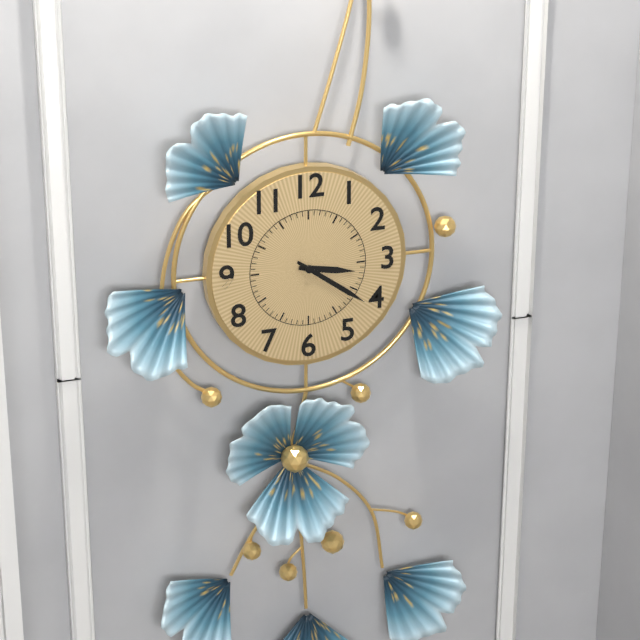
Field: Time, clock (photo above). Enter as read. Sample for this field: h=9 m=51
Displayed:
h=3 m=21
